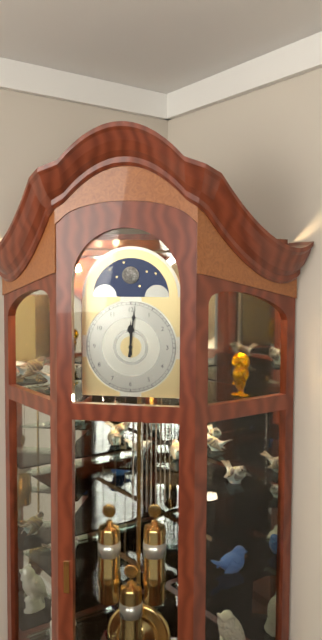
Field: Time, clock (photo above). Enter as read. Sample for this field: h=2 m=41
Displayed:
h=12 m=1
